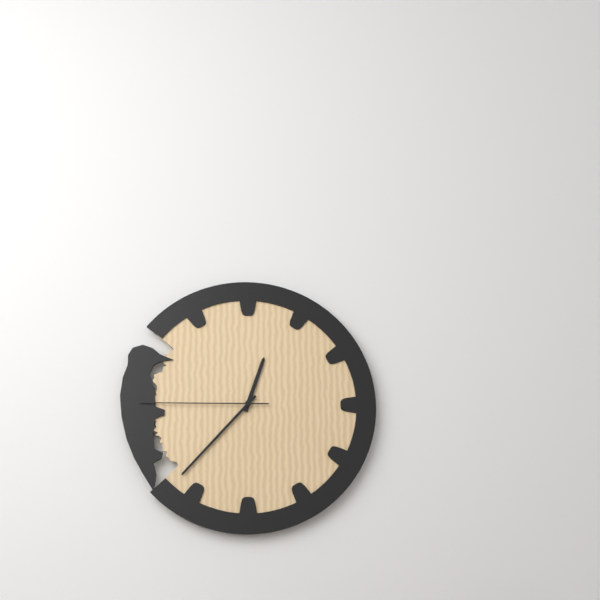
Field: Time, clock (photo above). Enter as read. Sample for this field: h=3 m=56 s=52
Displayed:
h=12 m=37 s=45
